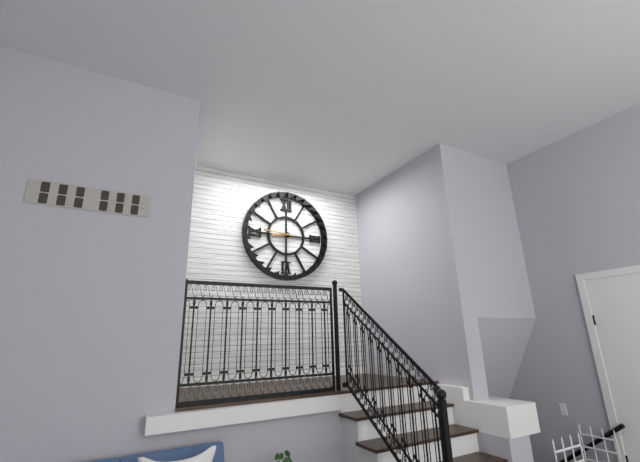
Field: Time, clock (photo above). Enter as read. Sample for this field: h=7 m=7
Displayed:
h=8 m=46
